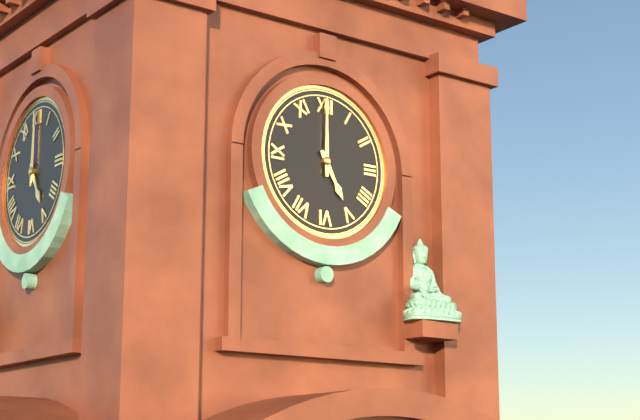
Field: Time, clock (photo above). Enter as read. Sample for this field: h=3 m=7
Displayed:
h=5 m=0
